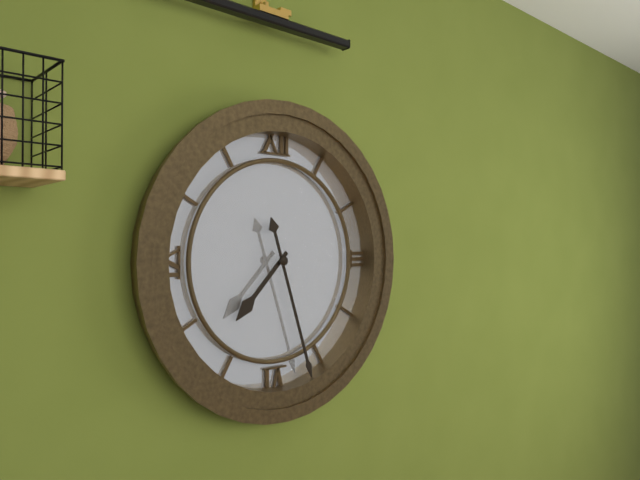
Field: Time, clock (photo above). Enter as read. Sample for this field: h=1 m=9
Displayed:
h=7 m=27
